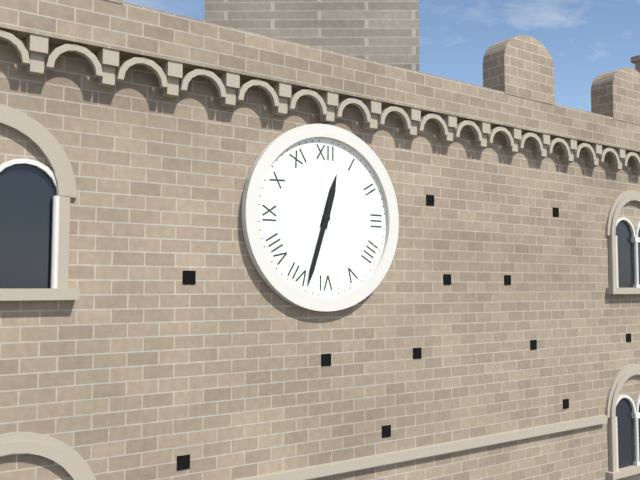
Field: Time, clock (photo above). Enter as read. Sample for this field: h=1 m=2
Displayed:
h=12 m=33
